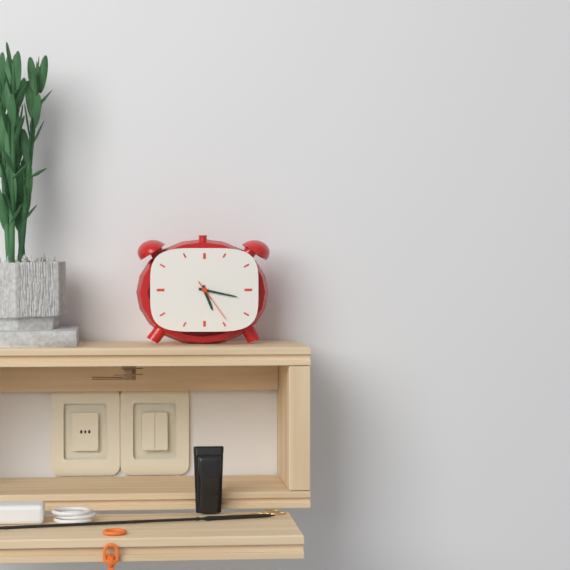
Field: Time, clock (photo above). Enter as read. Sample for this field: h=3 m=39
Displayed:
h=5 m=17
